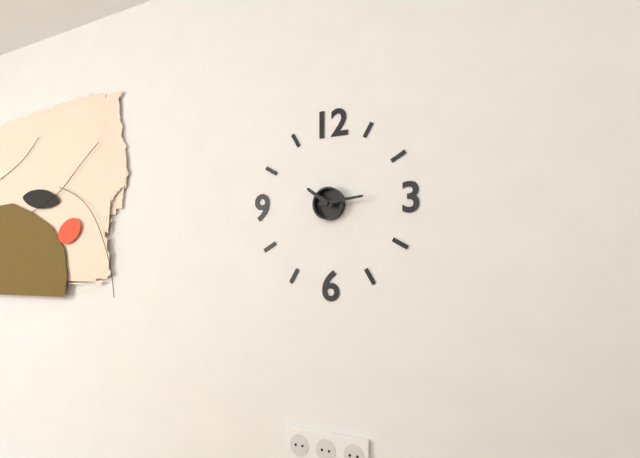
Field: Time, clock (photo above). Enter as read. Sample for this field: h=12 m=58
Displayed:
h=10 m=14
